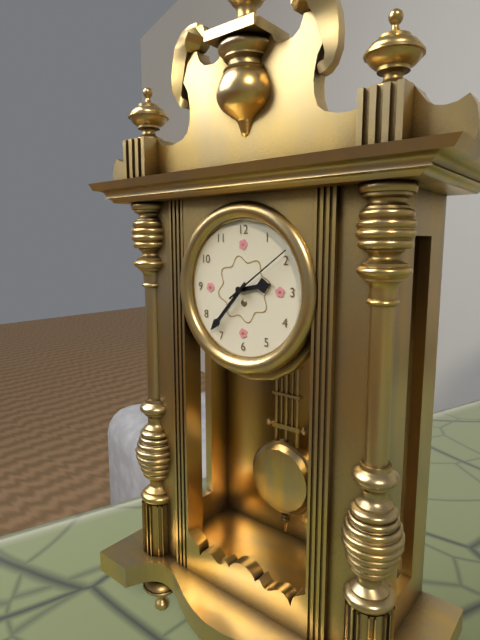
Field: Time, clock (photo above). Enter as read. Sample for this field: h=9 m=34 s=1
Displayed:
h=2 m=37 s=9
